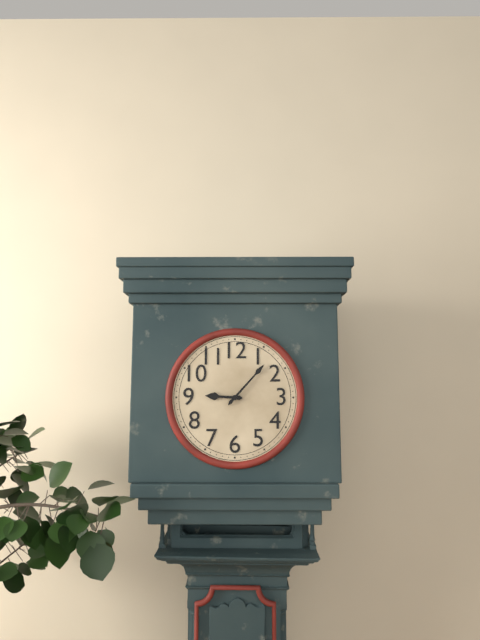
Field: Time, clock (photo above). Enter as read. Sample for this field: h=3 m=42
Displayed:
h=9 m=7
